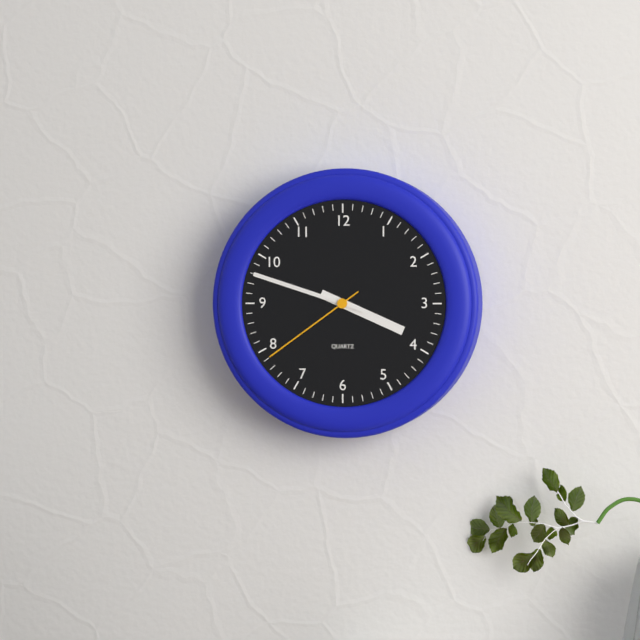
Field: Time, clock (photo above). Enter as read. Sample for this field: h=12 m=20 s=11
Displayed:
h=3 m=48 s=39
